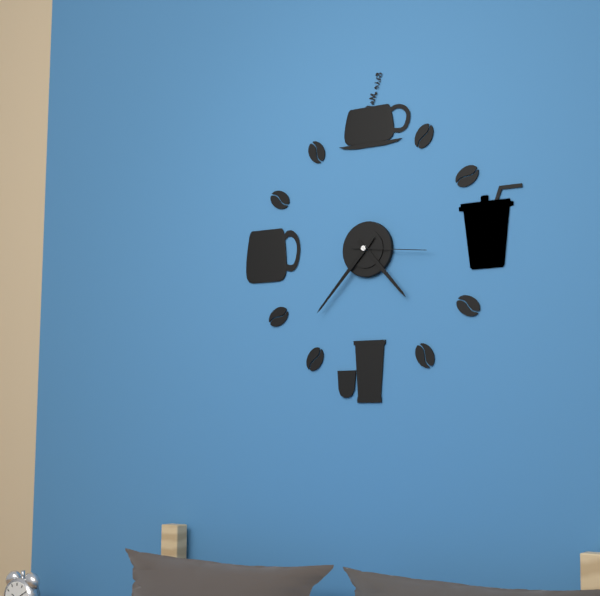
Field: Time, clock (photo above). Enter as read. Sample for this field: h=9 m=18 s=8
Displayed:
h=4 m=37 s=16
